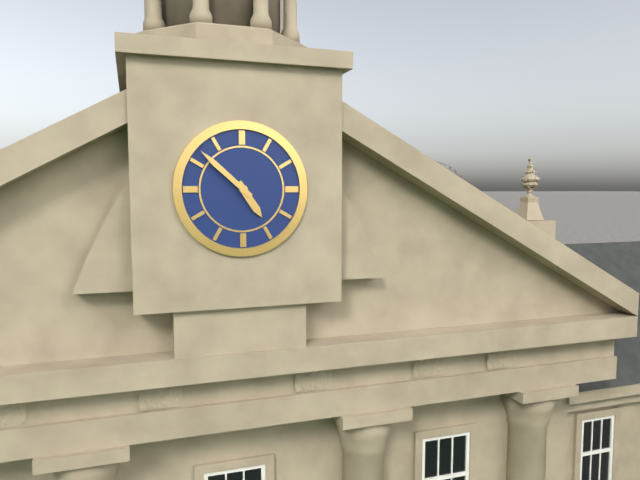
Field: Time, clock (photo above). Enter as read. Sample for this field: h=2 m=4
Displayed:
h=4 m=52
